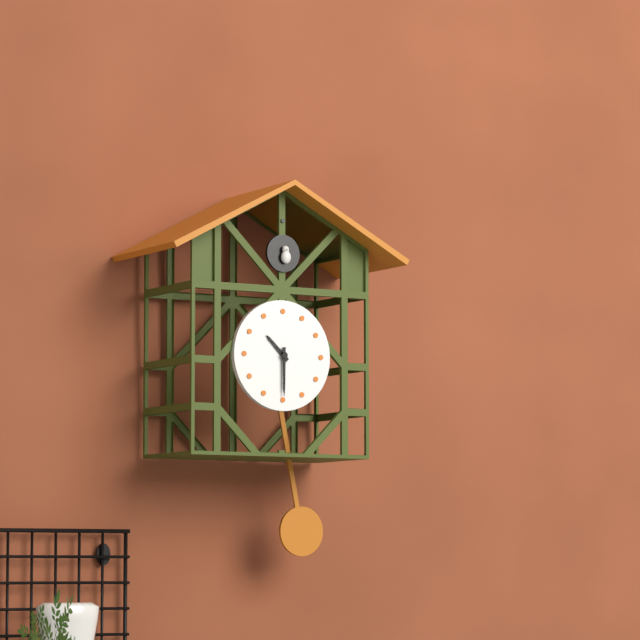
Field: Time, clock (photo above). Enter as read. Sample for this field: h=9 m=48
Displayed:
h=10 m=30
